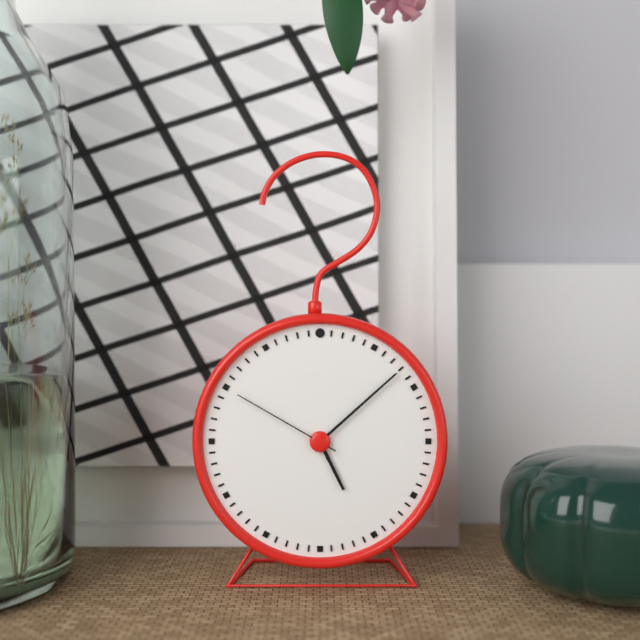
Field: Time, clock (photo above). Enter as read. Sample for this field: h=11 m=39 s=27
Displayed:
h=5 m=8 s=50
